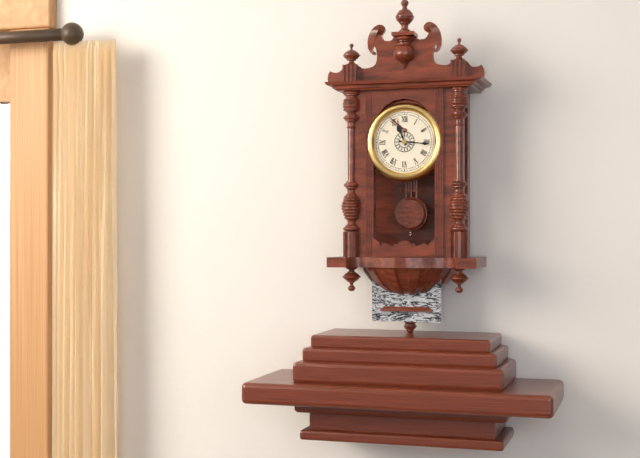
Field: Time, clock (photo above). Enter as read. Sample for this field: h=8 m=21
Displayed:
h=11 m=16
